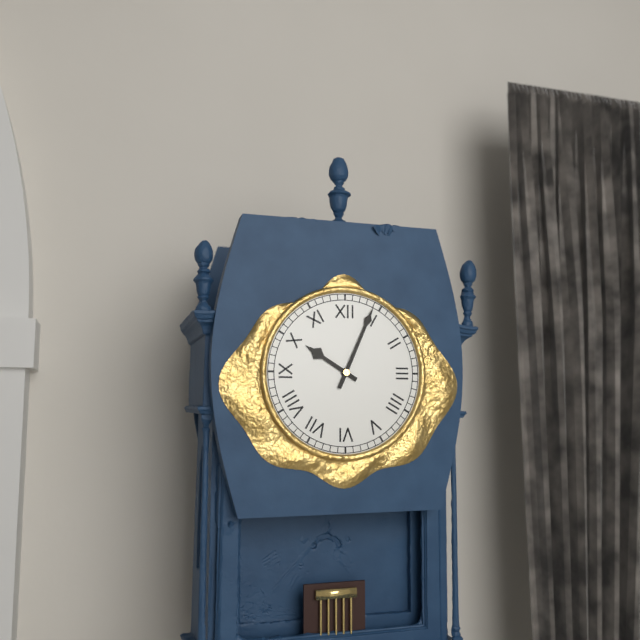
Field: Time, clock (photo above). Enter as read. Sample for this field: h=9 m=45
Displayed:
h=10 m=4
